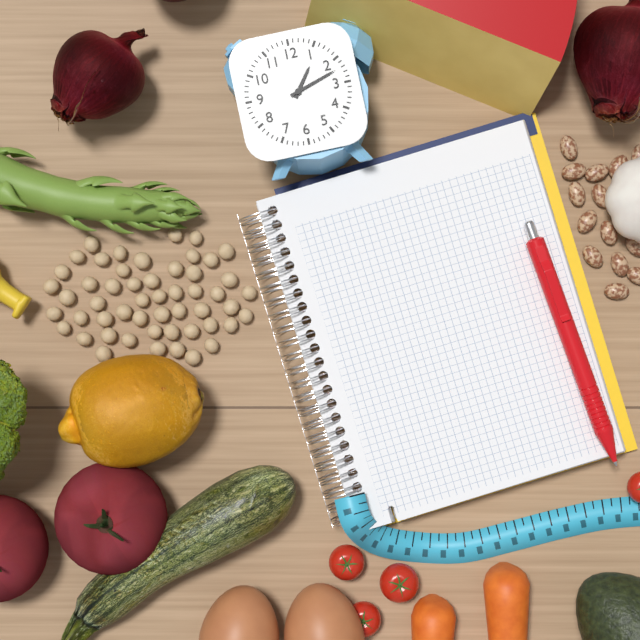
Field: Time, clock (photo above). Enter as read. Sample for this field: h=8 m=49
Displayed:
h=1 m=12
